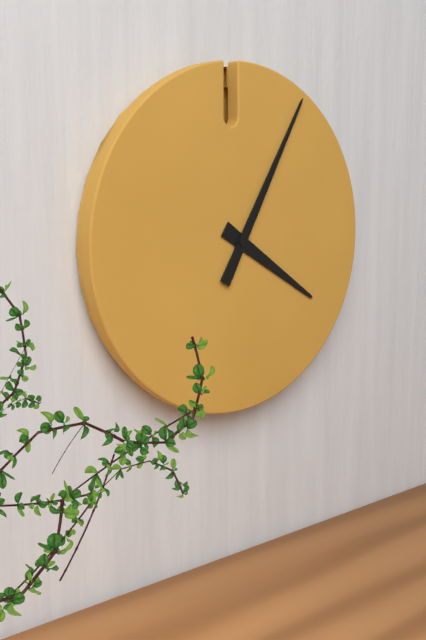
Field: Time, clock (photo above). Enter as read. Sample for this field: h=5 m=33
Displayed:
h=4 m=5
